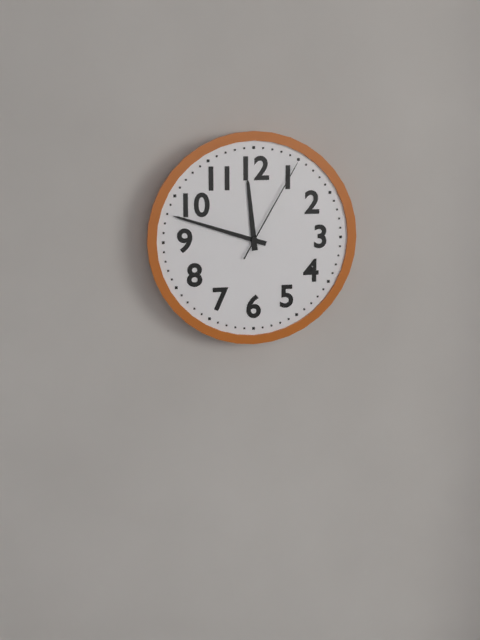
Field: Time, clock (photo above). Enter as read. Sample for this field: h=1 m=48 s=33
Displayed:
h=11 m=48 s=5
